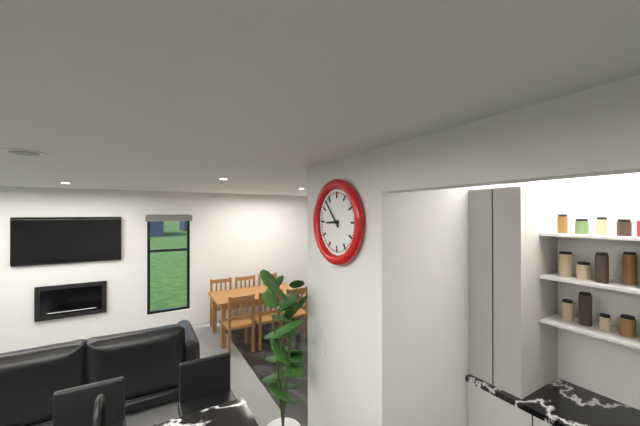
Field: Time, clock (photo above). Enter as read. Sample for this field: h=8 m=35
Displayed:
h=8 m=53
